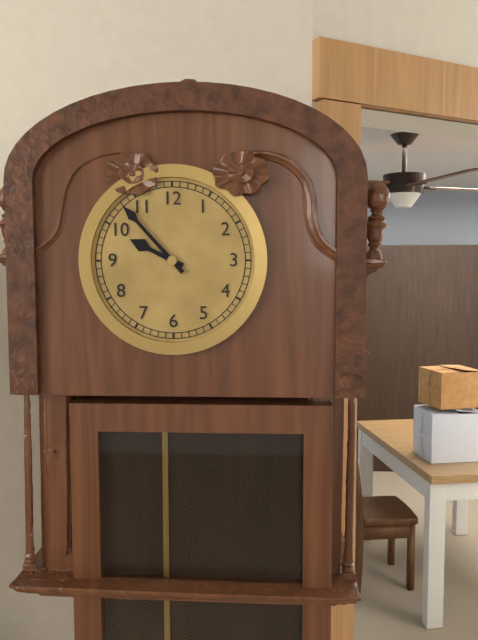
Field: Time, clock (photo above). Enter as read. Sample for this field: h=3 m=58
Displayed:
h=9 m=53
